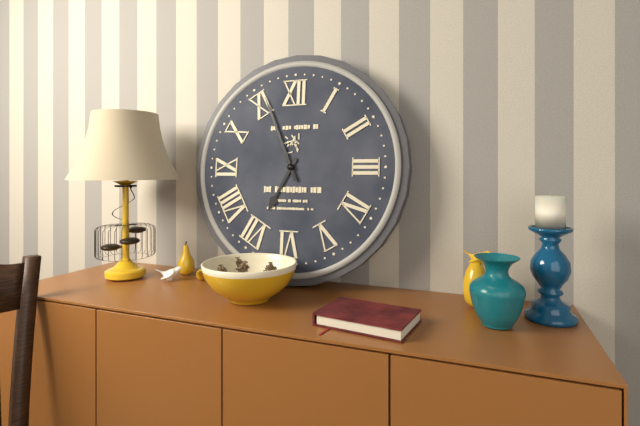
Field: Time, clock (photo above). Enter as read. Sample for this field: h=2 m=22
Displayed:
h=6 m=56
